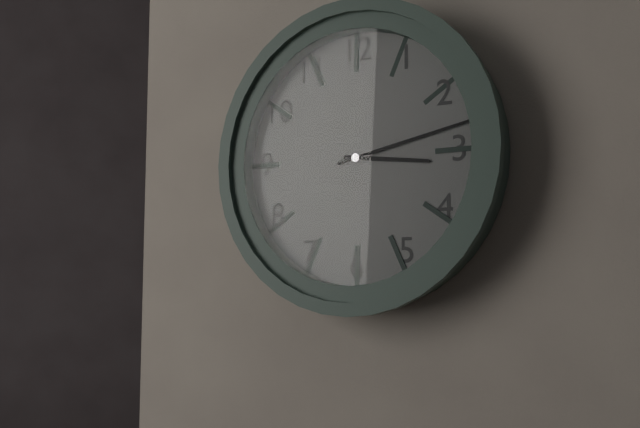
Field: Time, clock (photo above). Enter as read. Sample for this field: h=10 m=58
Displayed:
h=3 m=13
